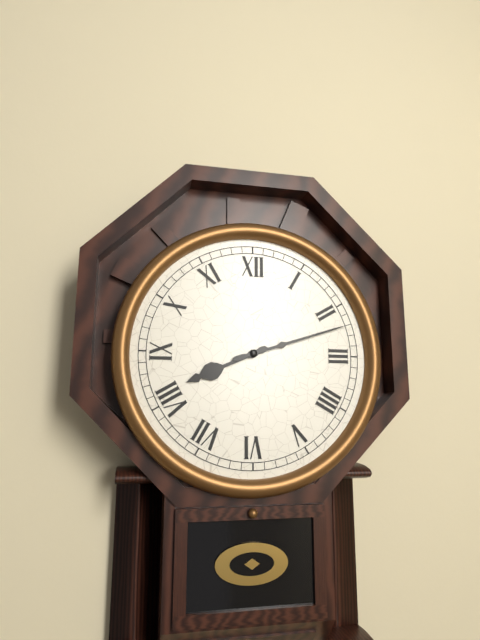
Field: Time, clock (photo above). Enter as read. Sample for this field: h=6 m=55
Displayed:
h=8 m=12
